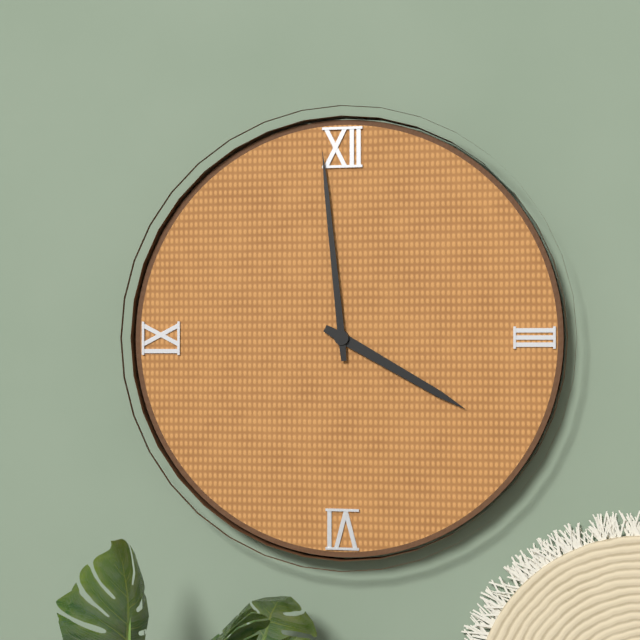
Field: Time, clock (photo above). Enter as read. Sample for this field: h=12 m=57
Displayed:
h=3 m=59
